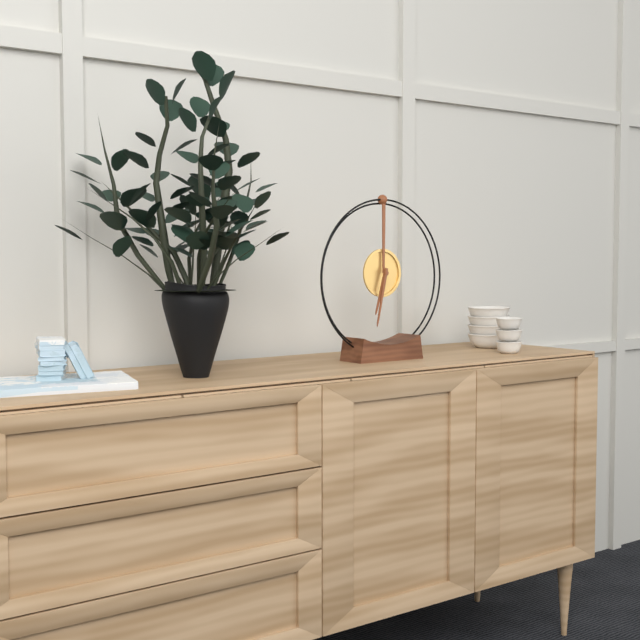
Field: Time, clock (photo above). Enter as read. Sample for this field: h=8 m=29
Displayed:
h=6 m=32
